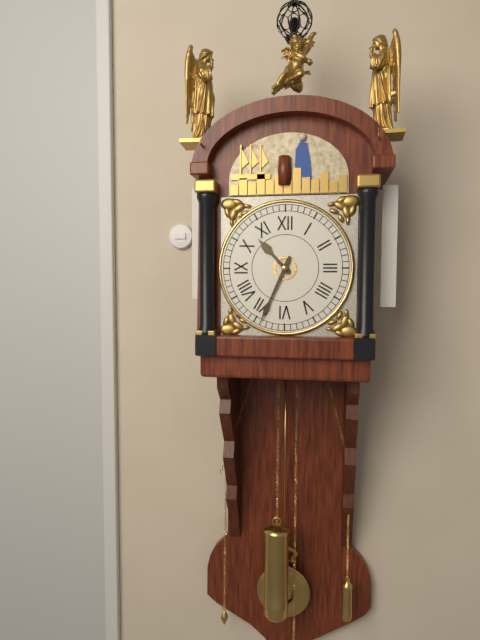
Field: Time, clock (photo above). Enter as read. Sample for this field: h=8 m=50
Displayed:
h=10 m=34
